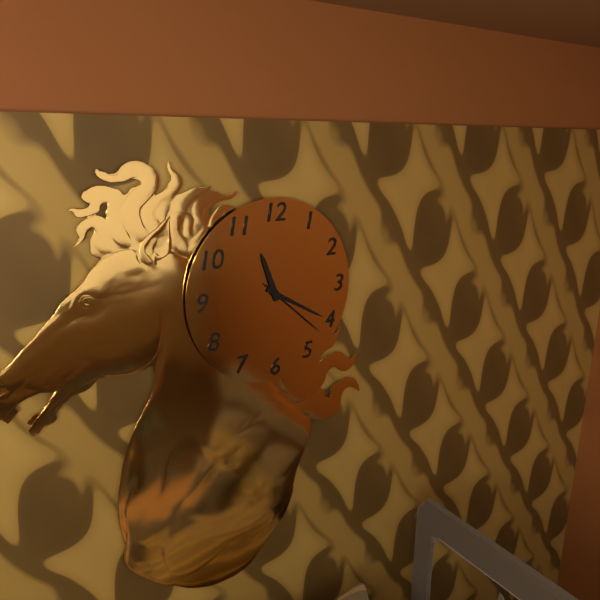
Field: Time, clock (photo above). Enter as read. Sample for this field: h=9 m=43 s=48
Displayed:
h=11 m=20 s=22
